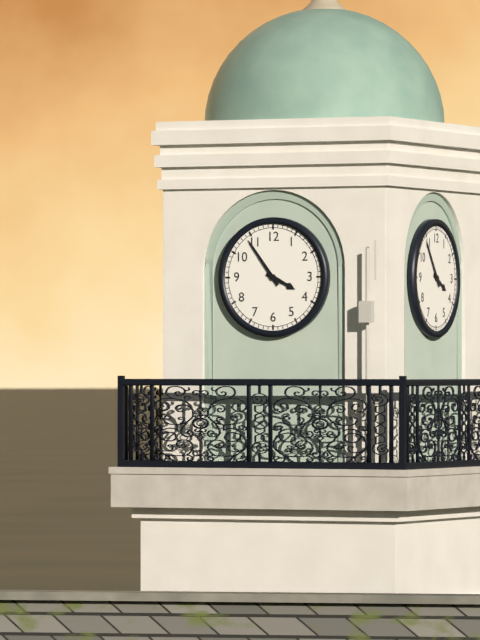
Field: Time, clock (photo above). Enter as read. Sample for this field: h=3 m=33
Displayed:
h=3 m=54
